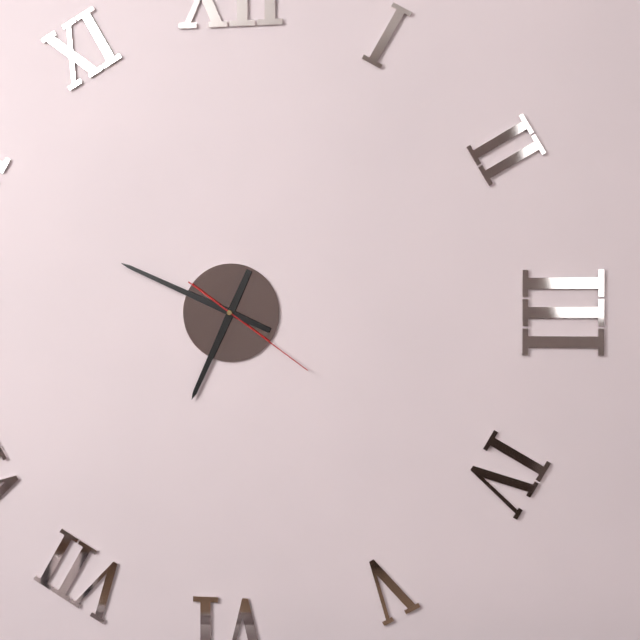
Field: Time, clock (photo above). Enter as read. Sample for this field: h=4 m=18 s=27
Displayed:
h=6 m=49 s=21
